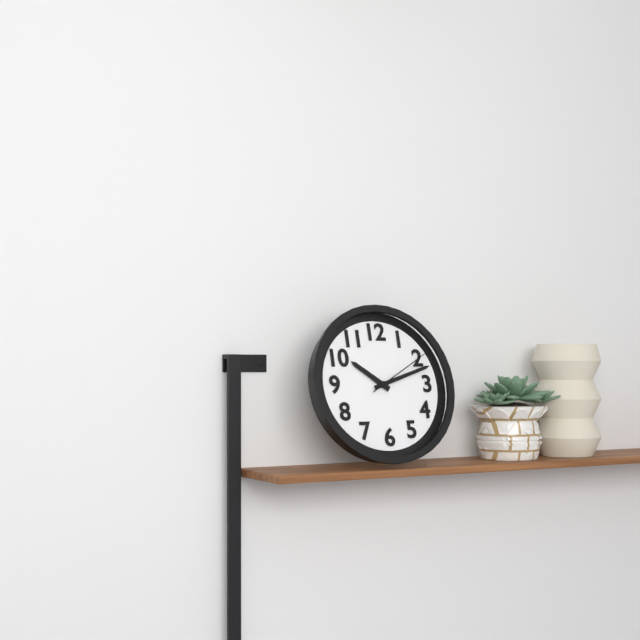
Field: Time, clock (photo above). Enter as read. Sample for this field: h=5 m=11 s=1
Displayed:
h=10 m=12 s=10
